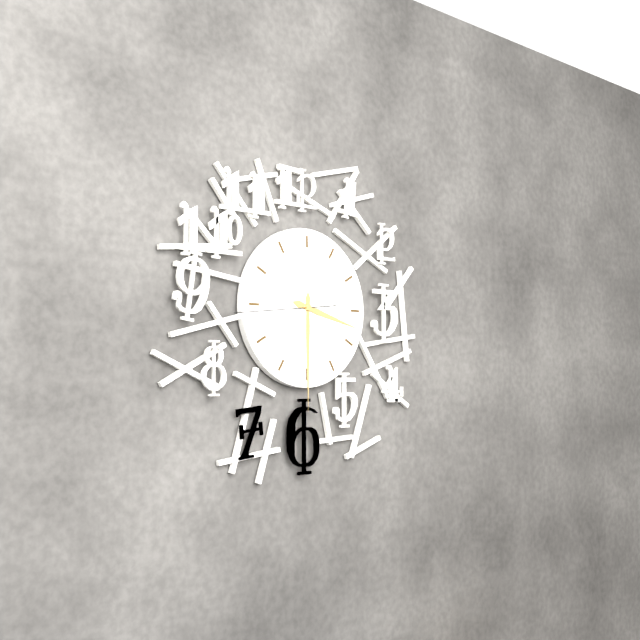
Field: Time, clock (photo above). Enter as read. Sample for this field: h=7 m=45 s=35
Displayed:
h=3 m=30 s=44
